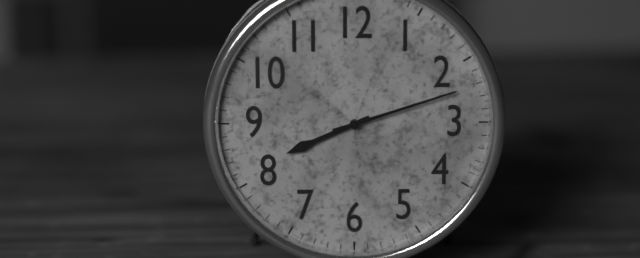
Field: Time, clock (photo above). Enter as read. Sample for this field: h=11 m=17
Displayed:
h=8 m=12
